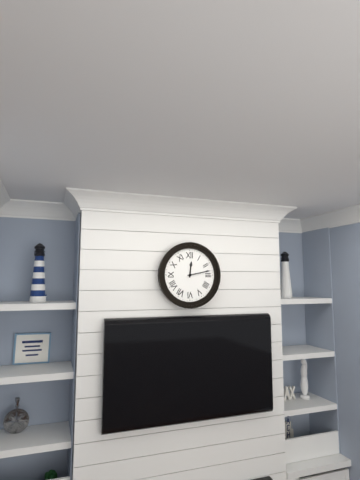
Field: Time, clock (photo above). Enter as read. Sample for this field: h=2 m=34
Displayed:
h=12 m=13
